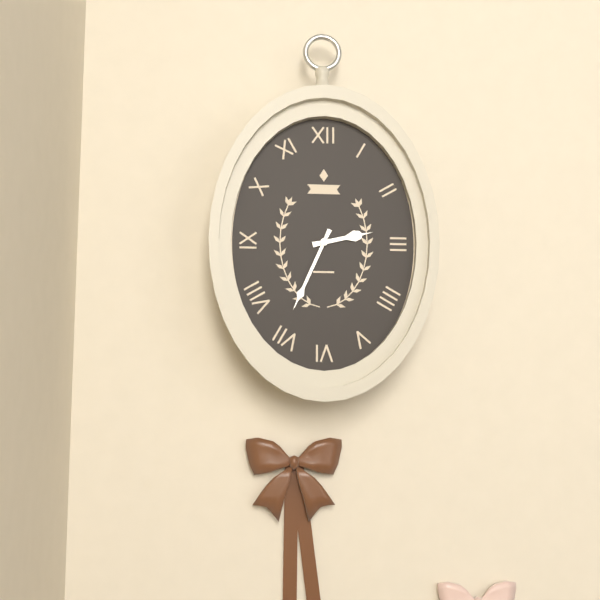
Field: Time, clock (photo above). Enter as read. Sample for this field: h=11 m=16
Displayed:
h=2 m=34
